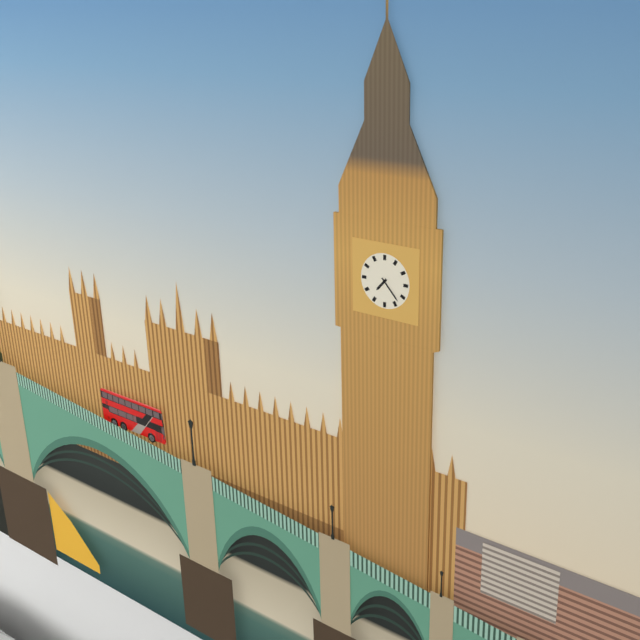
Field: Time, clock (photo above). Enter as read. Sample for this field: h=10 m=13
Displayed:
h=7 m=23
